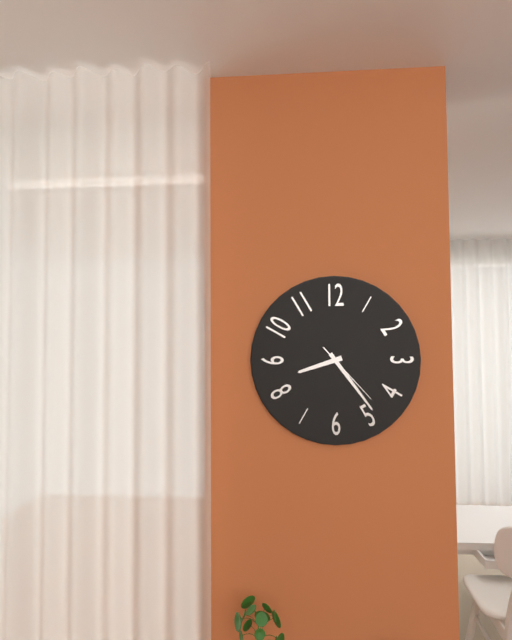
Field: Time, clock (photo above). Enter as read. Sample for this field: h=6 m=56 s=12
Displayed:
h=8 m=24 s=23
